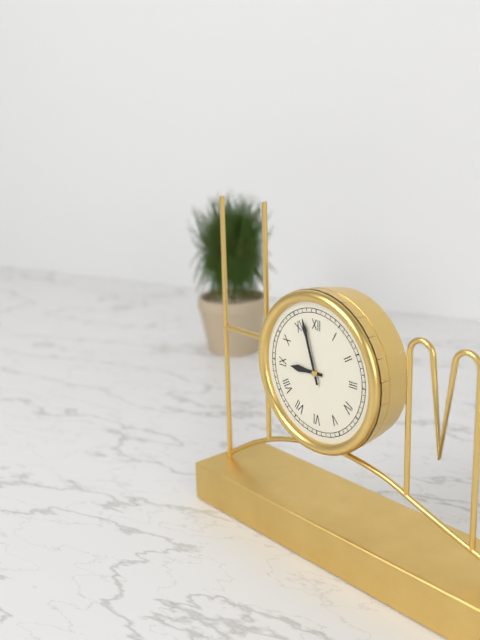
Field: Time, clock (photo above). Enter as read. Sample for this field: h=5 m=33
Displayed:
h=8 m=57
